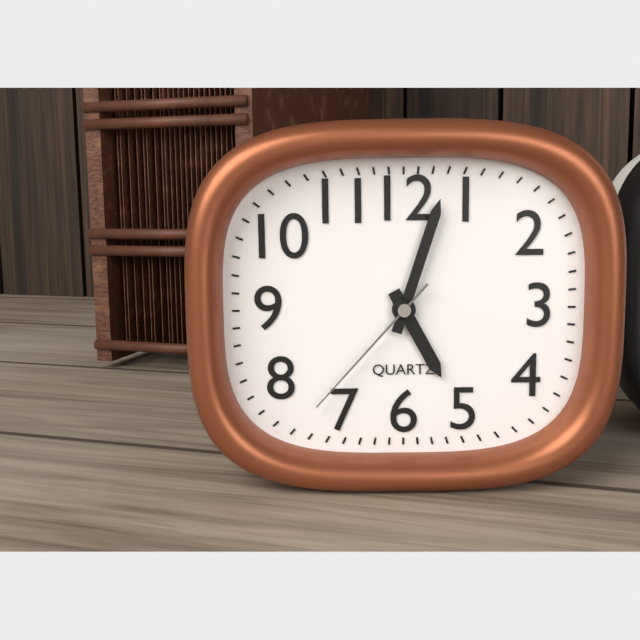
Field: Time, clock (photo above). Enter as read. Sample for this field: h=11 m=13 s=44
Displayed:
h=5 m=3 s=37
